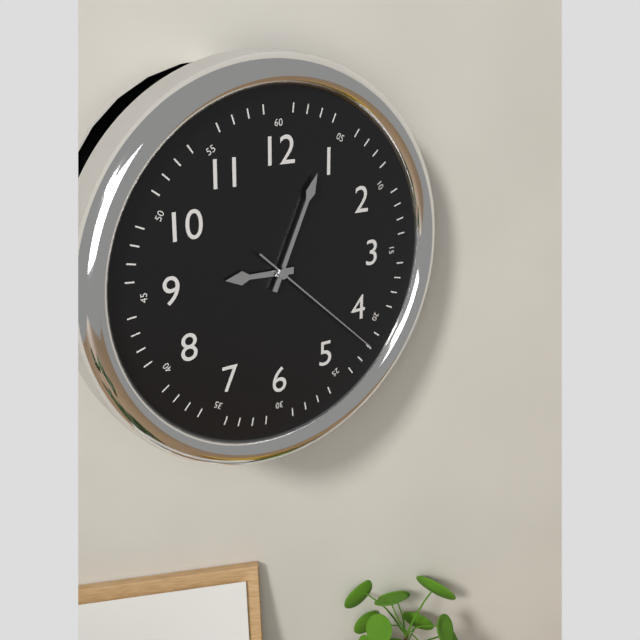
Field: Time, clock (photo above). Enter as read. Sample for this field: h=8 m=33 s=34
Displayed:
h=9 m=4 s=22
